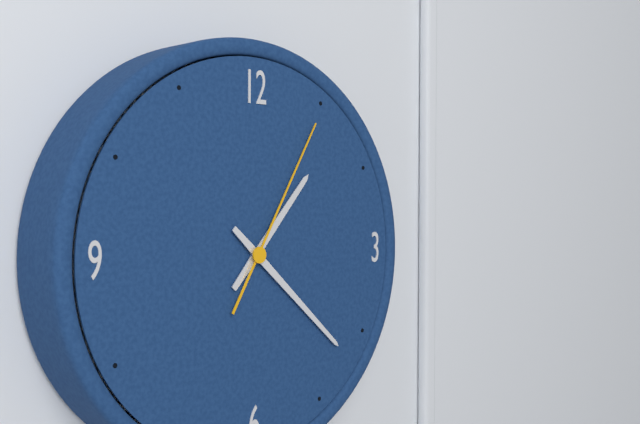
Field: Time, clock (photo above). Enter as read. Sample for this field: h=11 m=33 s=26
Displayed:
h=1 m=22 s=5
